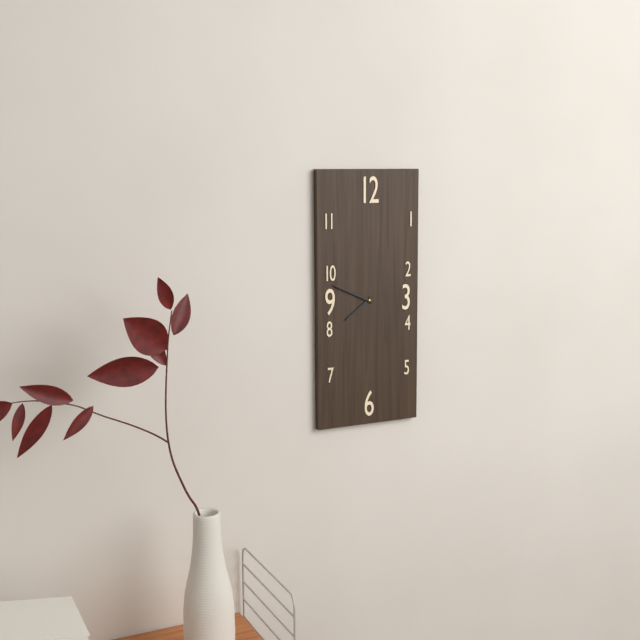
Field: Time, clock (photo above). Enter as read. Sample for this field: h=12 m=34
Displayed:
h=7 m=49
